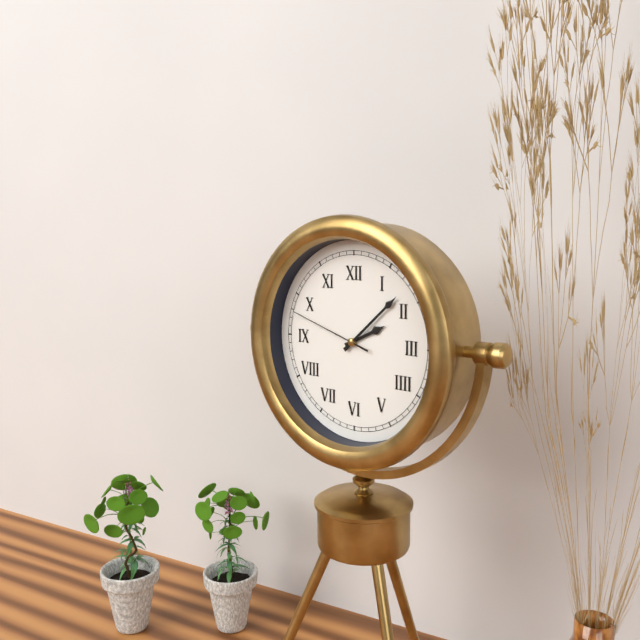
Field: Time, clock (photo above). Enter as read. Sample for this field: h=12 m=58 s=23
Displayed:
h=2 m=8 s=48
